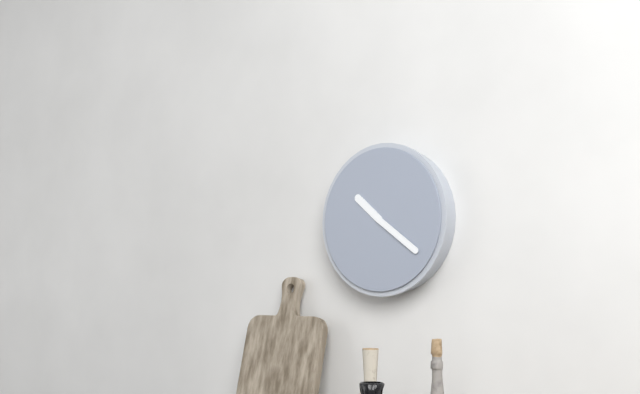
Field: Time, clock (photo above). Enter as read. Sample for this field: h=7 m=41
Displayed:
h=10 m=21
